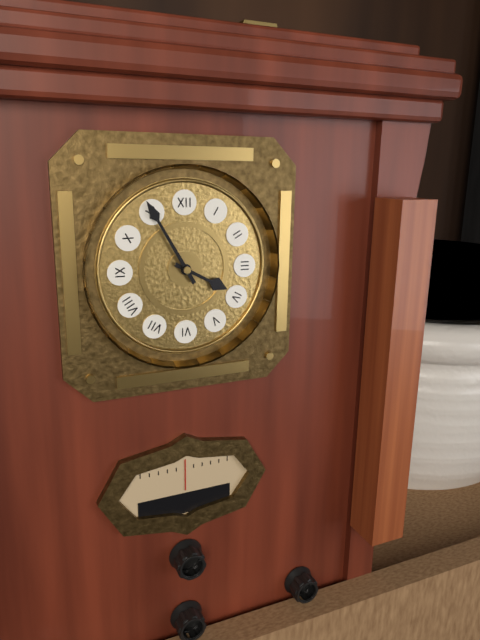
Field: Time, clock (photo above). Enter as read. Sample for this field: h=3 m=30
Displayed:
h=3 m=55
